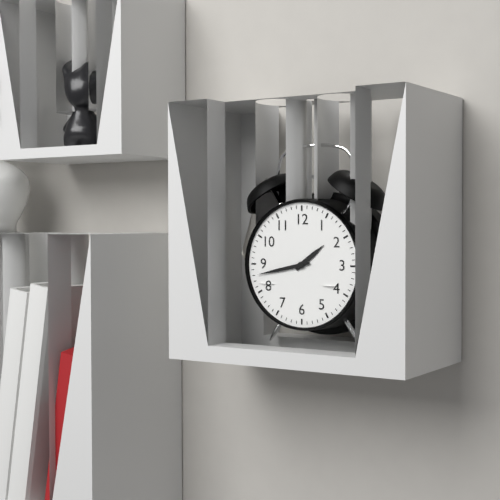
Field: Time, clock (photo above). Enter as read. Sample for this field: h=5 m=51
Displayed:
h=1 m=43
